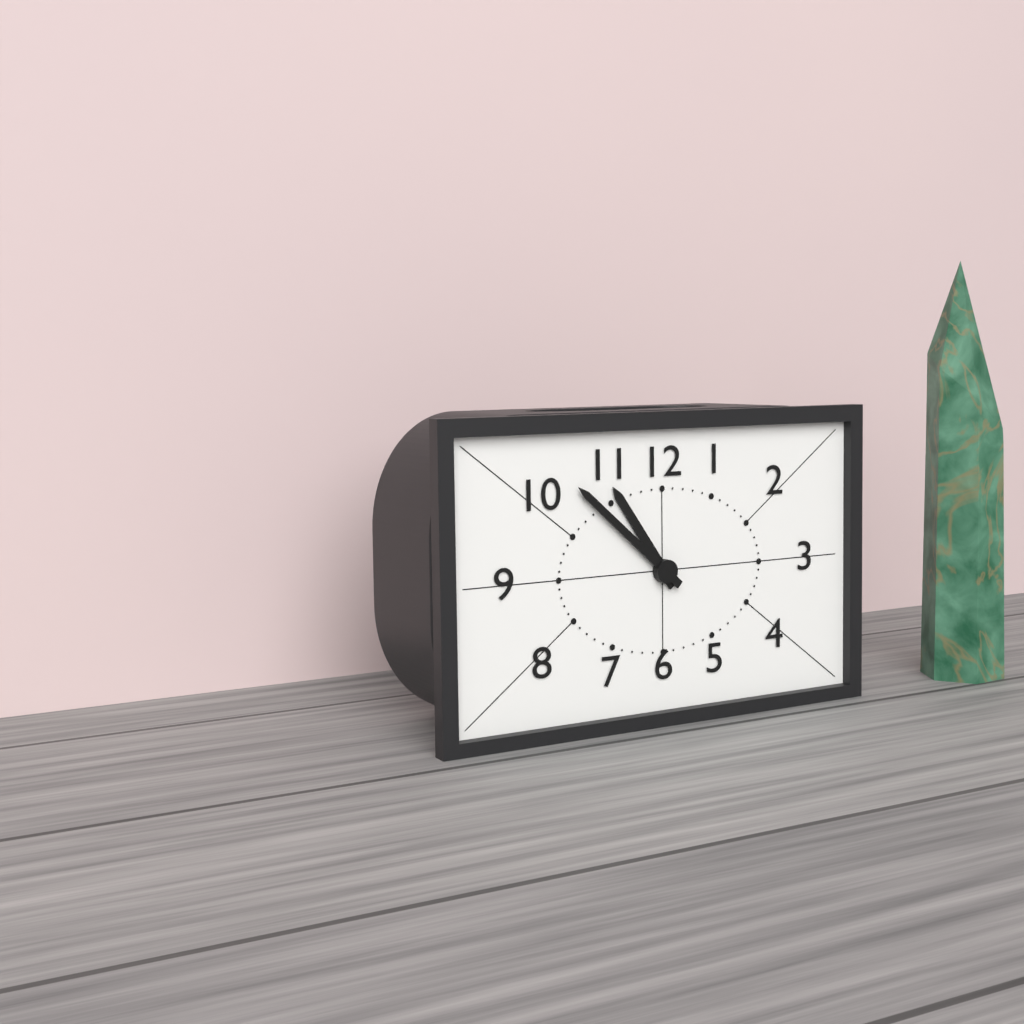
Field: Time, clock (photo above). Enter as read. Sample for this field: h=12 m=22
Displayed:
h=10 m=52
